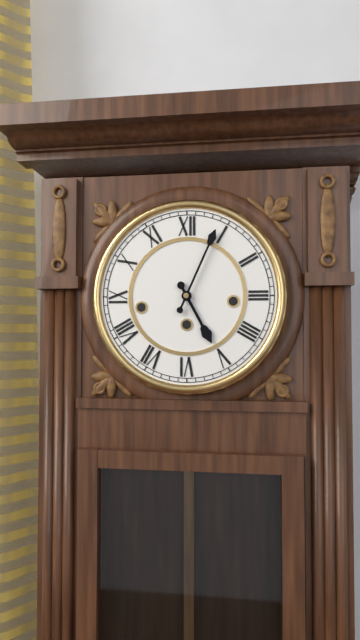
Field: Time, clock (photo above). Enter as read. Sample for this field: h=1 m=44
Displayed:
h=5 m=4
